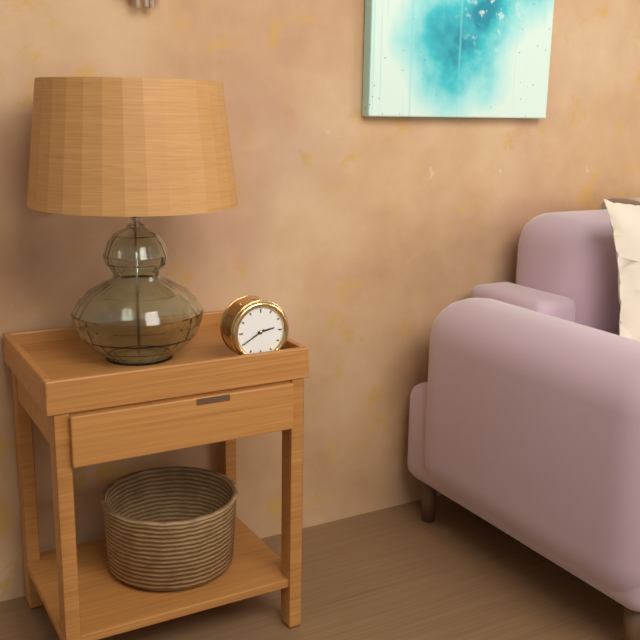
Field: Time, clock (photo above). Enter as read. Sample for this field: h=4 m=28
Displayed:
h=2 m=40
